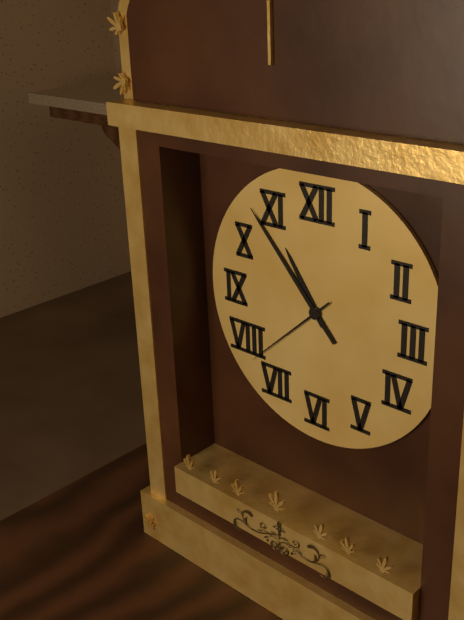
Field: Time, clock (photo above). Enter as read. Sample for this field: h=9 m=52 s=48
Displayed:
h=10 m=53 s=38
